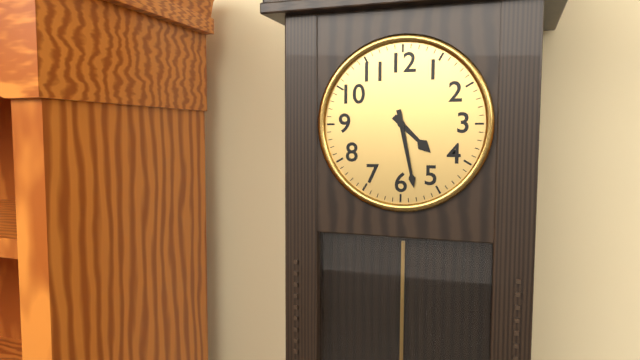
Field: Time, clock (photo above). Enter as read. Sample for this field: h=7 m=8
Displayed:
h=4 m=28
